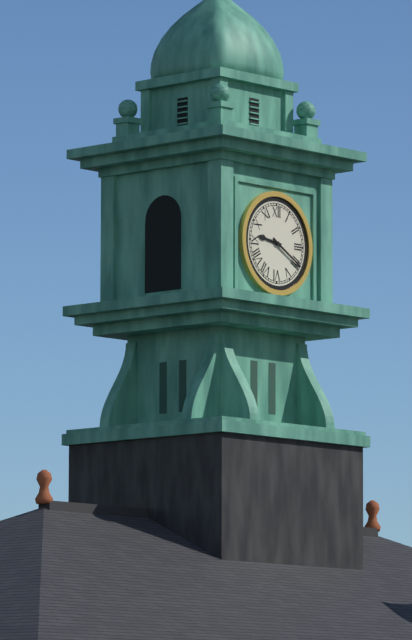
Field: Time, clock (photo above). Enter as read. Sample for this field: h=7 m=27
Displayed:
h=9 m=20
